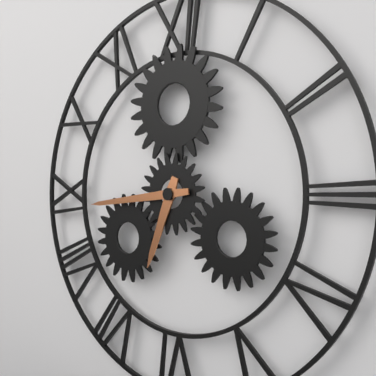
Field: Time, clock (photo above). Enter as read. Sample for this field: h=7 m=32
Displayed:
h=6 m=44
